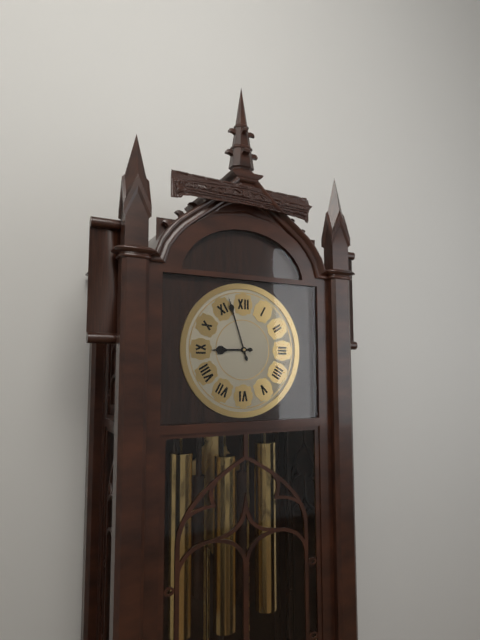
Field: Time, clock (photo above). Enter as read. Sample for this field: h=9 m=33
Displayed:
h=8 m=57
